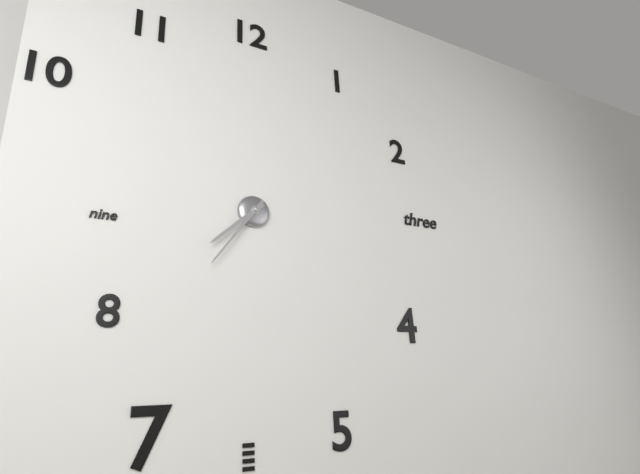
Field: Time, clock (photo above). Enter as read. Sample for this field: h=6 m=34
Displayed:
h=7 m=36
